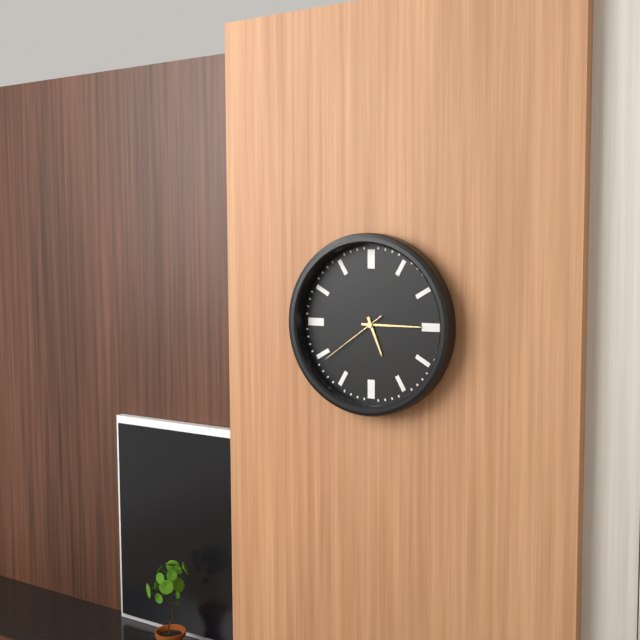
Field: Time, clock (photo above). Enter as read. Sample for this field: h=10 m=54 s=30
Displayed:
h=5 m=15 s=39
